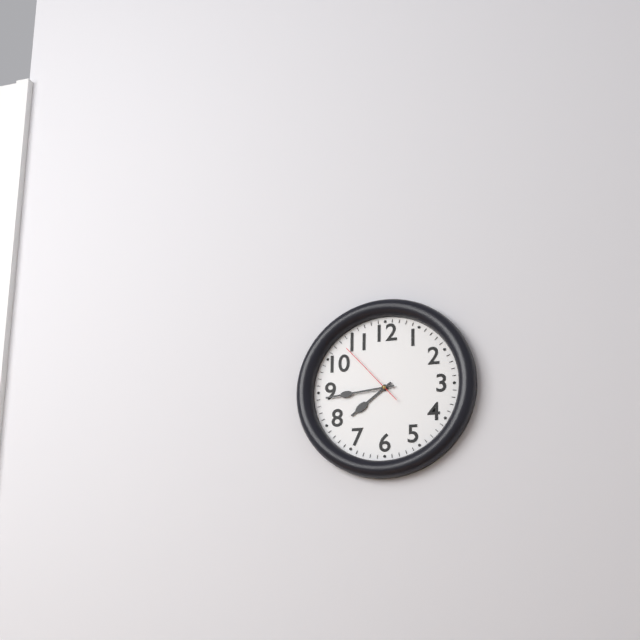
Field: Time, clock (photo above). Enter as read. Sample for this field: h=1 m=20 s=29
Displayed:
h=7 m=44 s=53
